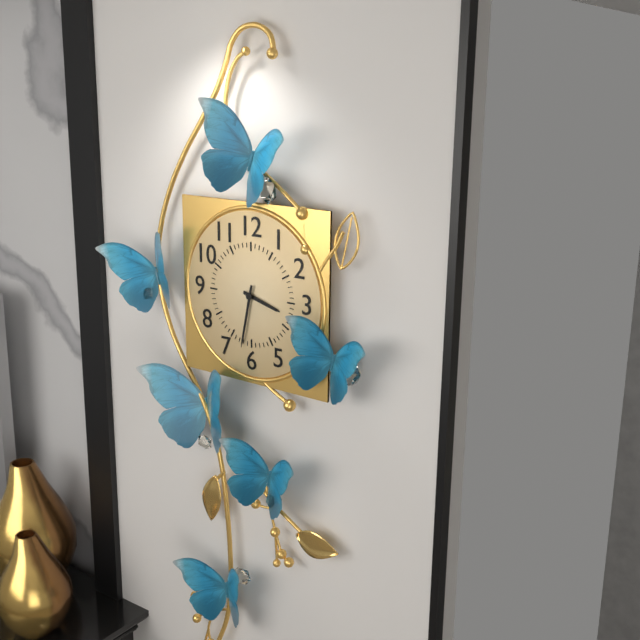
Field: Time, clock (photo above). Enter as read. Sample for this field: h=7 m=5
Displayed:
h=3 m=32
